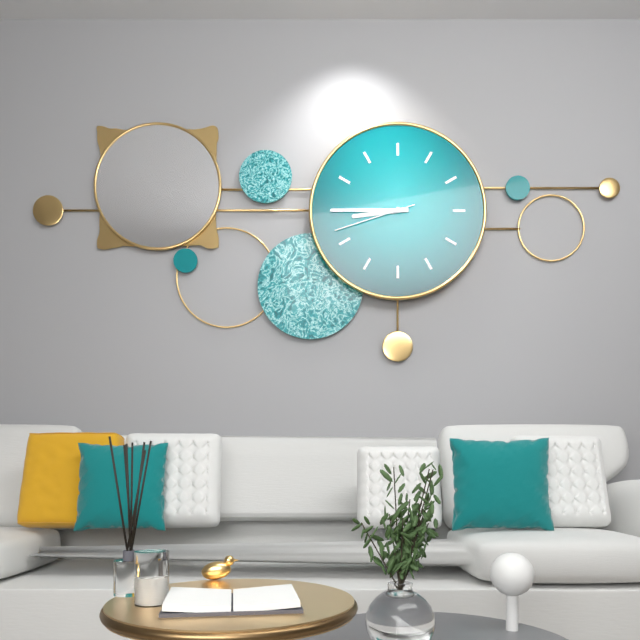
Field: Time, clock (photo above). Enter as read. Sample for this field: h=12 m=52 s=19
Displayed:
h=8 m=45 s=42
